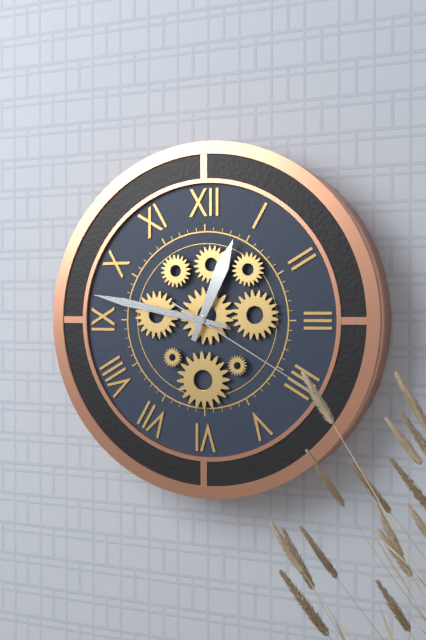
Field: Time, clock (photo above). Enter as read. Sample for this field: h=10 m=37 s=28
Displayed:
h=12 m=47 s=20
